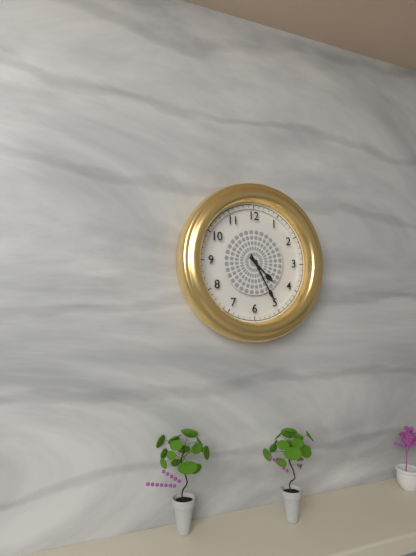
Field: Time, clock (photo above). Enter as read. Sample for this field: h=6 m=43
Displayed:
h=4 m=25
